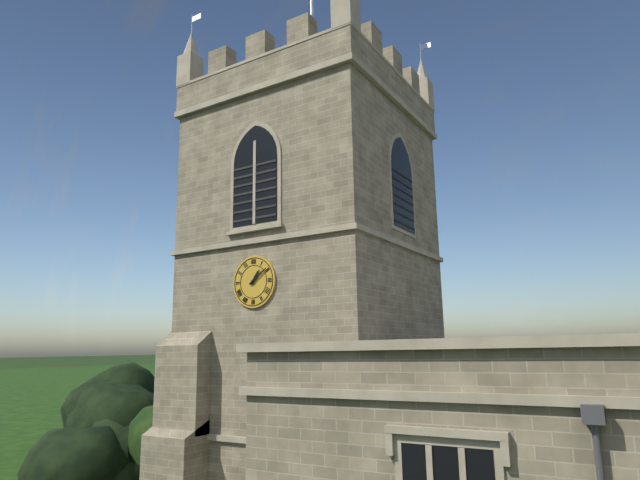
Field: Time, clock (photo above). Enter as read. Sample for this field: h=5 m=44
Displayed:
h=1 m=9
